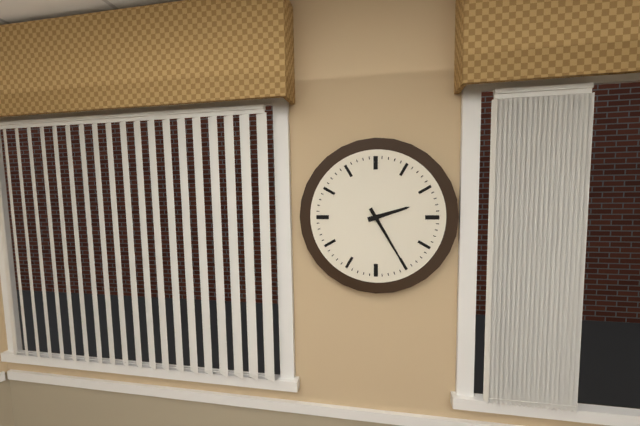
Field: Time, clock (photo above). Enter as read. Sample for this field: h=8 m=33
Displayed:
h=2 m=25
